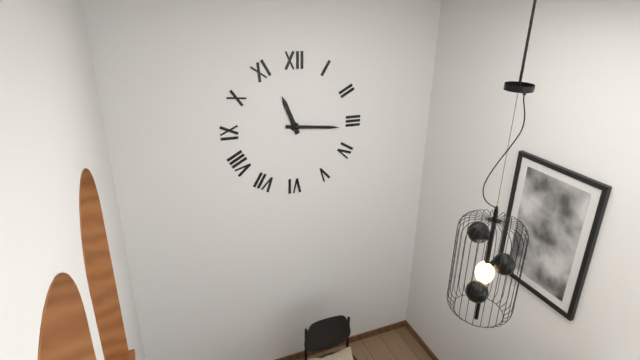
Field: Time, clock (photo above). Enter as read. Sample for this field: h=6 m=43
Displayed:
h=11 m=16
